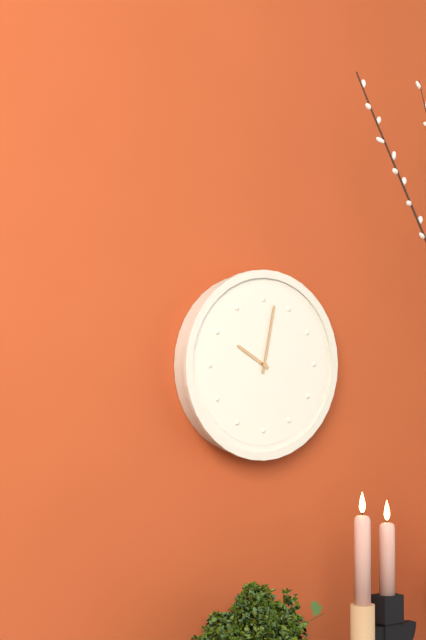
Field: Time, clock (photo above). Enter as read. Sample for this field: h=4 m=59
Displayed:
h=10 m=2
